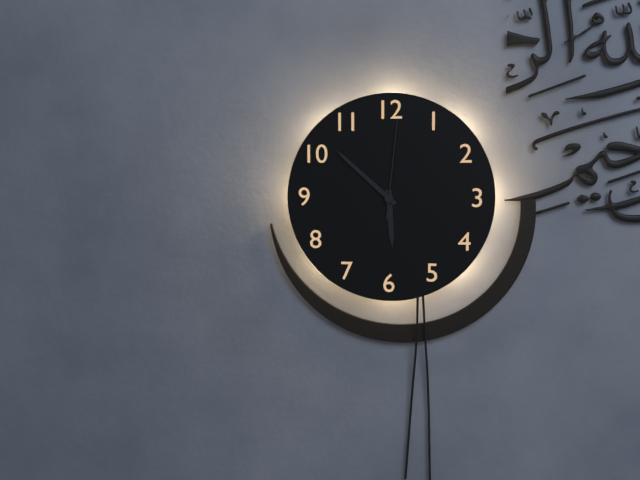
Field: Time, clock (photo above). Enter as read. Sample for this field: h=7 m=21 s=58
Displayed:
h=5 m=52 s=1
